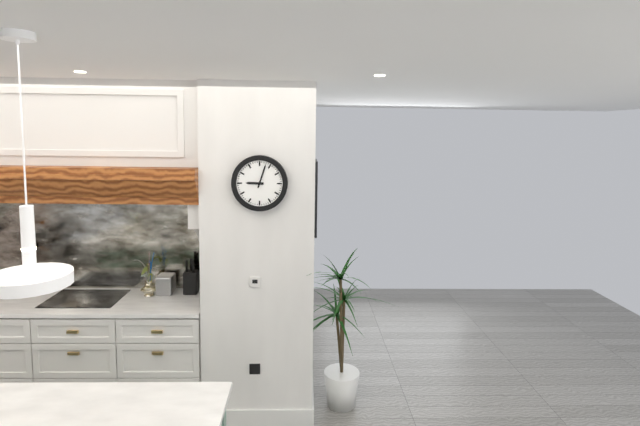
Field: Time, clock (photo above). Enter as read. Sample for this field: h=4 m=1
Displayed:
h=9 m=3
